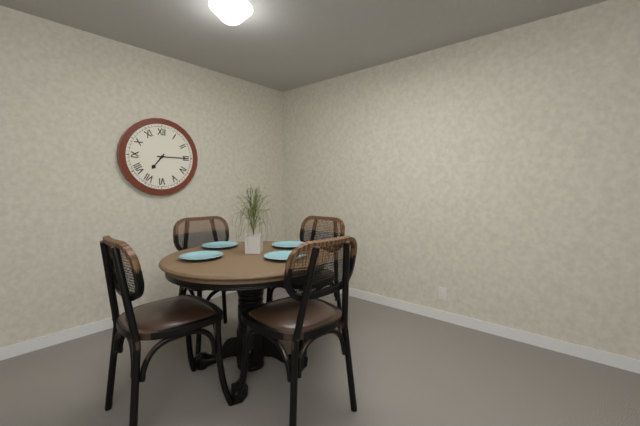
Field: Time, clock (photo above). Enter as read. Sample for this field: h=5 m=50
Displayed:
h=7 m=15
